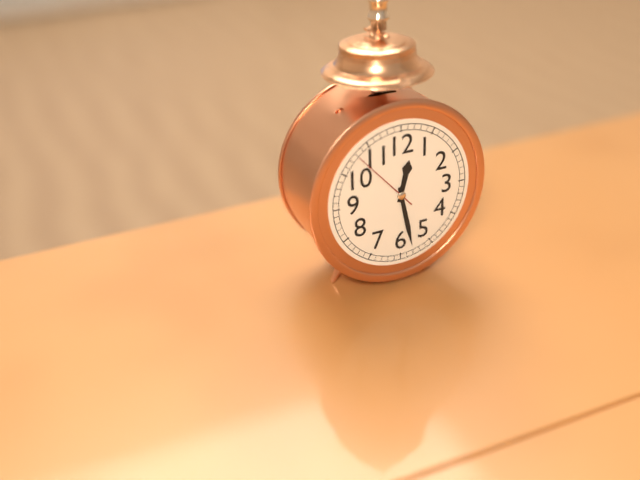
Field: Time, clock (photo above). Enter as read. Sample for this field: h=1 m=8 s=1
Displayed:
h=12 m=28 s=53
